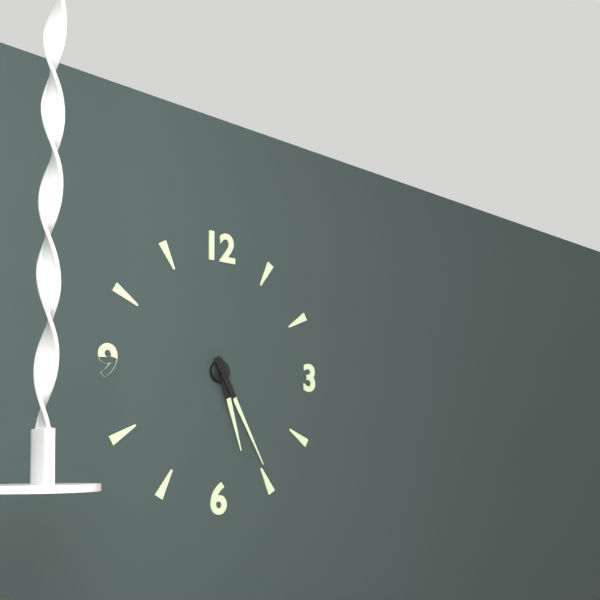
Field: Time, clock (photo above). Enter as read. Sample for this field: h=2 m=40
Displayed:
h=5 m=25
